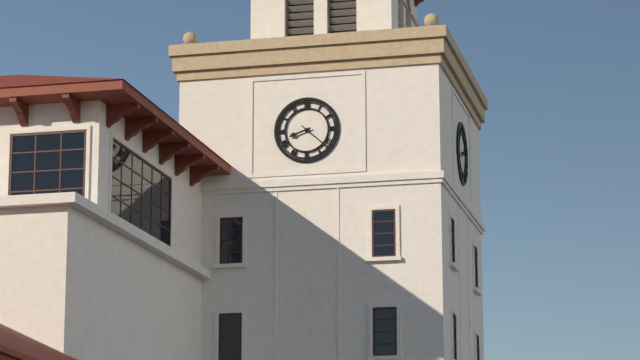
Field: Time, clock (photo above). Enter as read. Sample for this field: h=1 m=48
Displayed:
h=8 m=22
